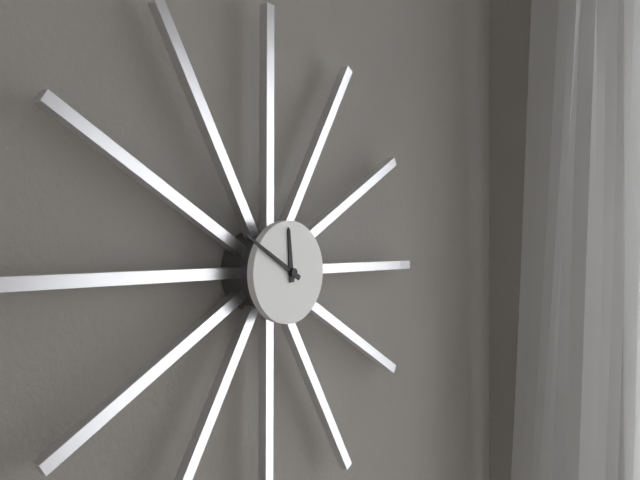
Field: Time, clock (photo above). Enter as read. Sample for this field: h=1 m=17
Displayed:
h=11 m=50
